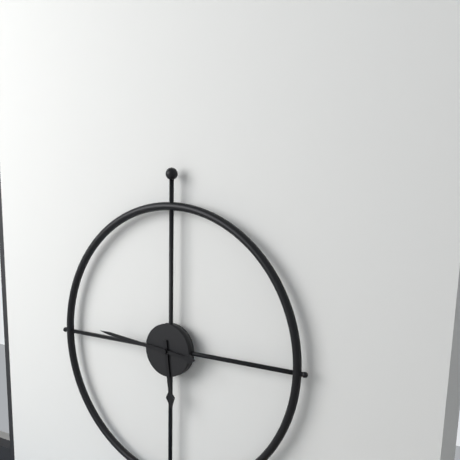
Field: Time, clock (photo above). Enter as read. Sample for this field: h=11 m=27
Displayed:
h=5 m=46
